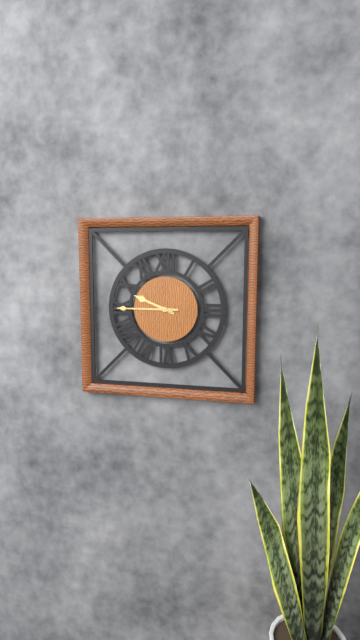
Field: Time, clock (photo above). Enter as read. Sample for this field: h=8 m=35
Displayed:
h=9 m=45
